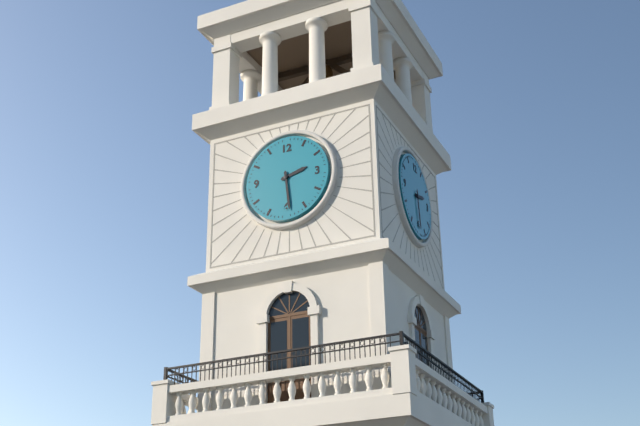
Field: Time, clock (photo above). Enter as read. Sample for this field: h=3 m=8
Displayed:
h=2 m=29
